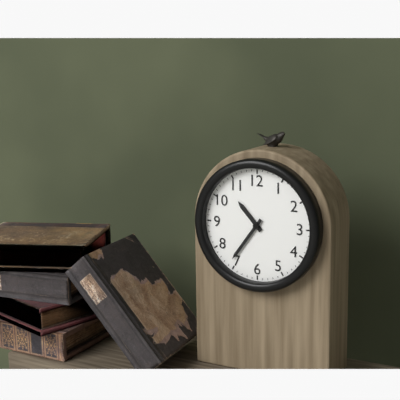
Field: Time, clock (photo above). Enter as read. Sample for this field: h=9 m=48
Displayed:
h=10 m=36
